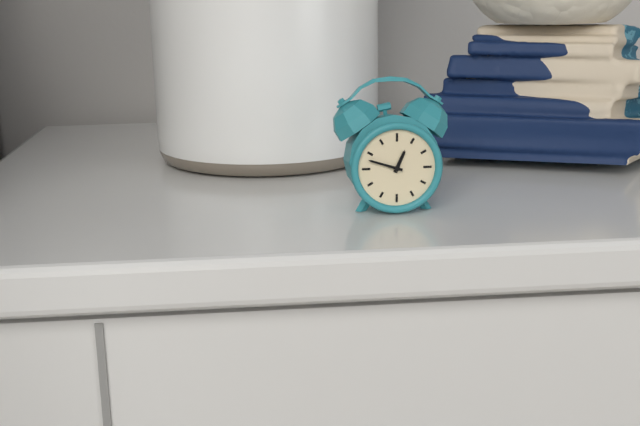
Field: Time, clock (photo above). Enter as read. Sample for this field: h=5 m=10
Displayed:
h=12 m=48
